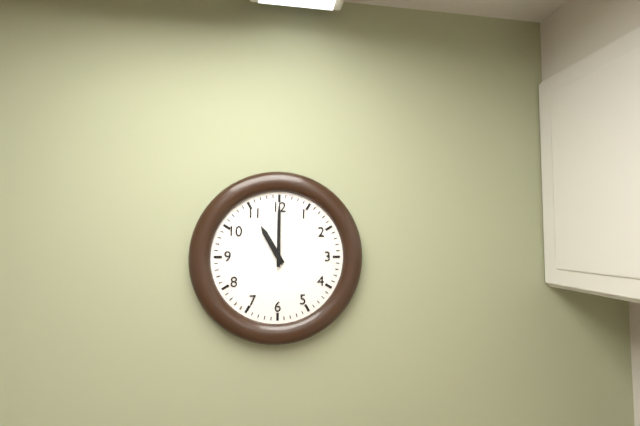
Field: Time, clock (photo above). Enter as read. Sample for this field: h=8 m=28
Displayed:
h=11 m=0
